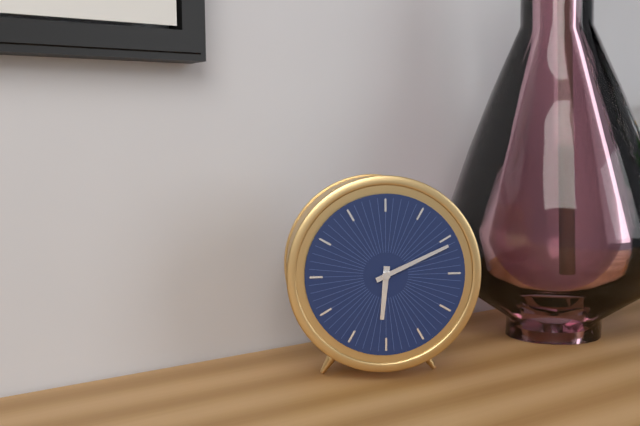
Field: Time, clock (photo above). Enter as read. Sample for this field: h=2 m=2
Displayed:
h=6 m=11
